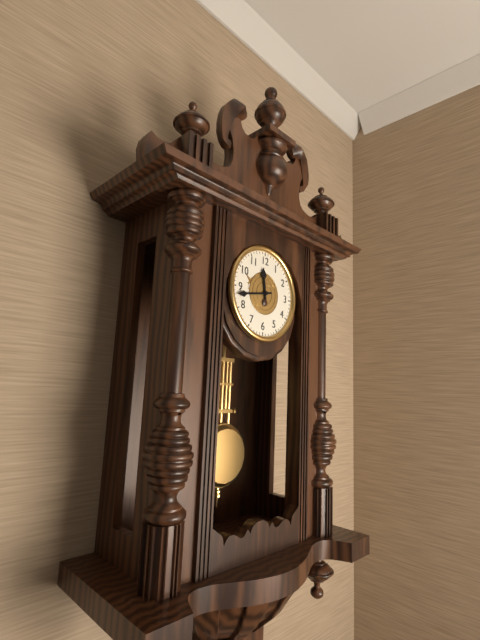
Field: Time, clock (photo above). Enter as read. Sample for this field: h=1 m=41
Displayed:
h=11 m=43
